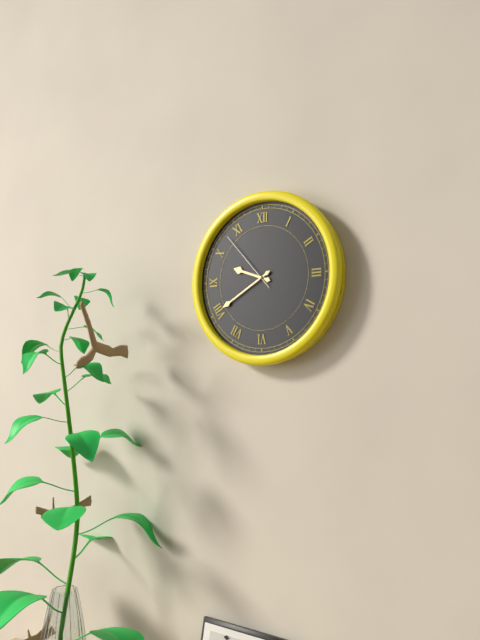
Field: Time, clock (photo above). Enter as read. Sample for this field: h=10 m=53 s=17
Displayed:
h=9 m=40 s=53
